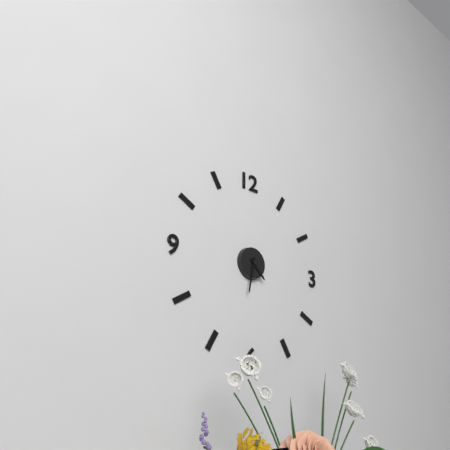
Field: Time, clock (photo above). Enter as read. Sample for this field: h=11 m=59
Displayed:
h=4 m=32
